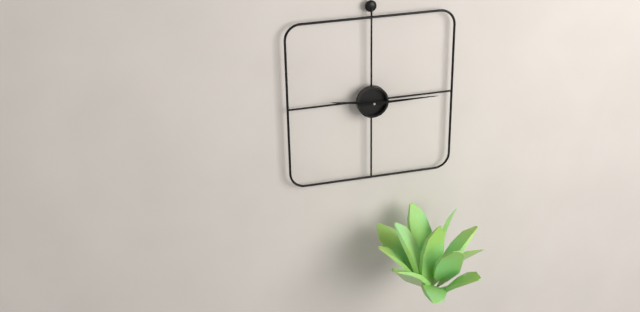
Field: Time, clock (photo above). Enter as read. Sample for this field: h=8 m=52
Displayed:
h=9 m=15
